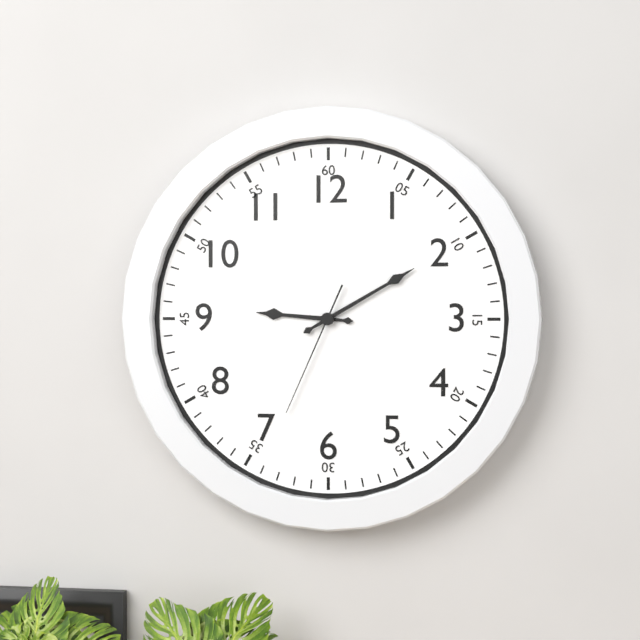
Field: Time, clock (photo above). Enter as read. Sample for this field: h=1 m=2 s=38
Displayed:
h=9 m=10 s=34
